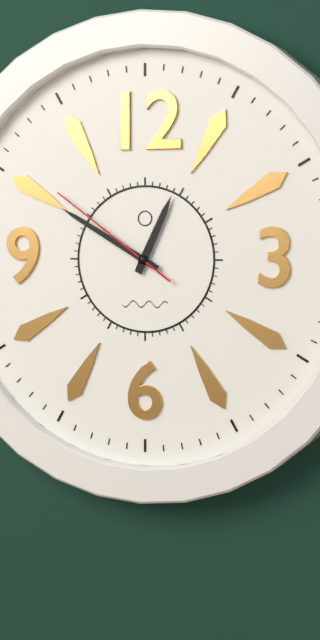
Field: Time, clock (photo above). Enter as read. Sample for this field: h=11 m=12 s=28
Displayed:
h=12 m=50 s=51
